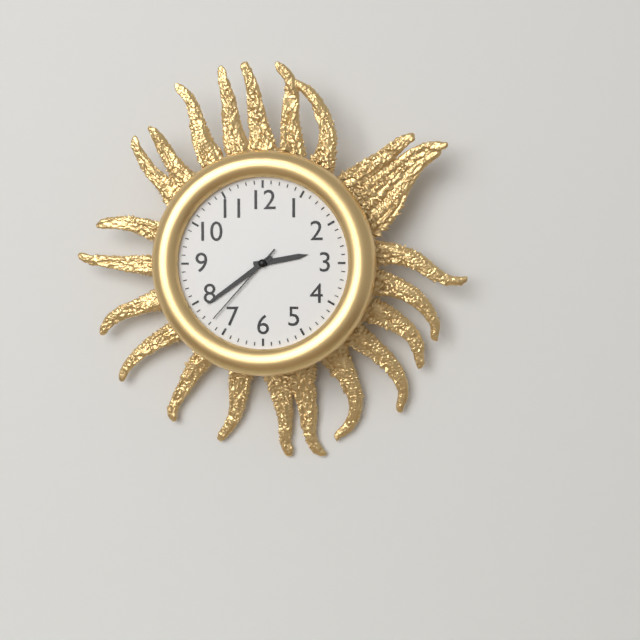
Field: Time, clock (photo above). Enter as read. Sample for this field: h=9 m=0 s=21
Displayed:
h=2 m=39 s=37
